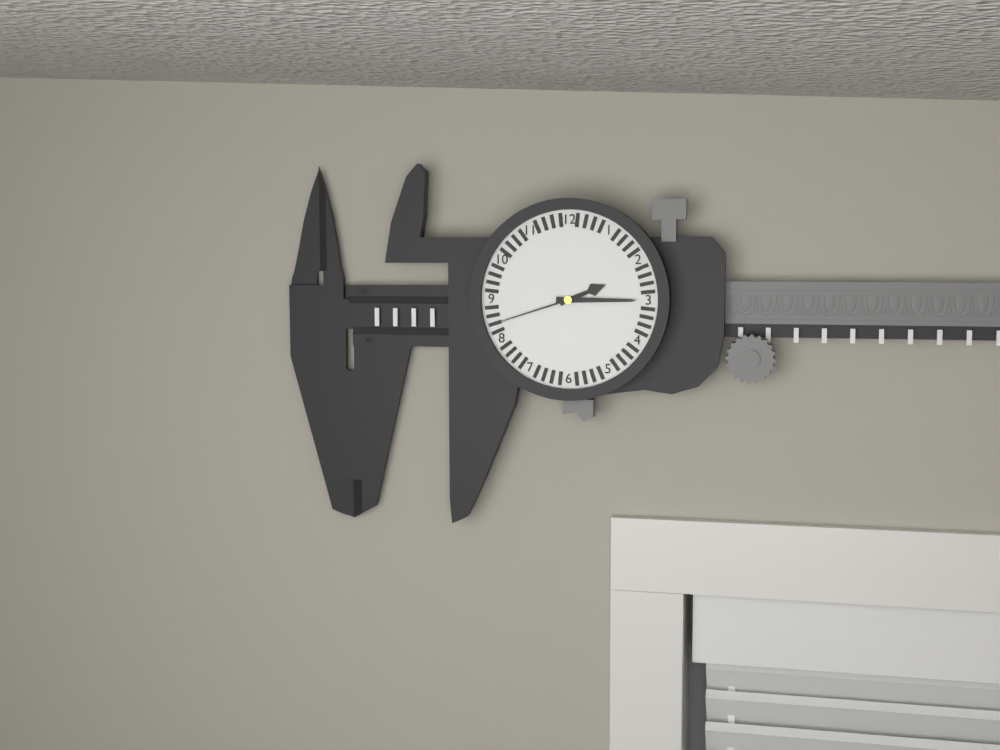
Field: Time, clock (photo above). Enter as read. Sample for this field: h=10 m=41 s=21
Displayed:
h=2 m=15 s=42
